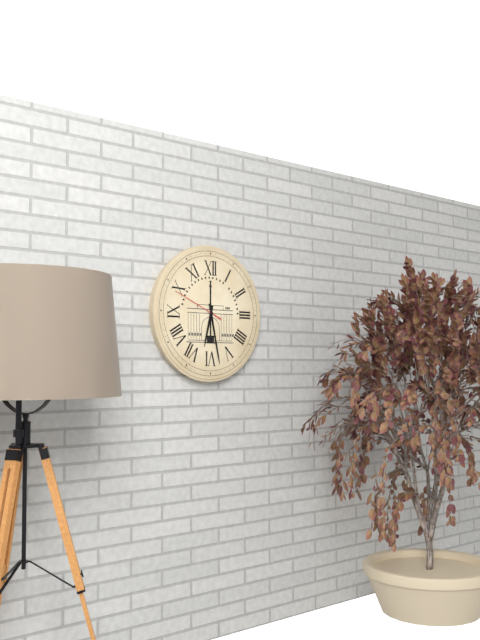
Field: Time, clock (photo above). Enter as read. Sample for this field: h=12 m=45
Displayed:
h=6 m=28
